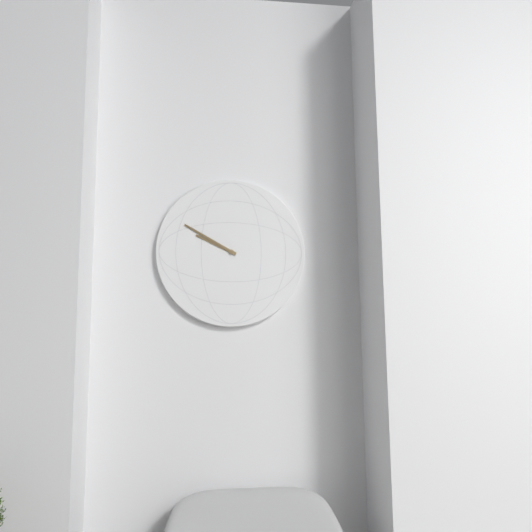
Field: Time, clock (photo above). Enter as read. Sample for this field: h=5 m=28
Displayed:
h=9 m=50
